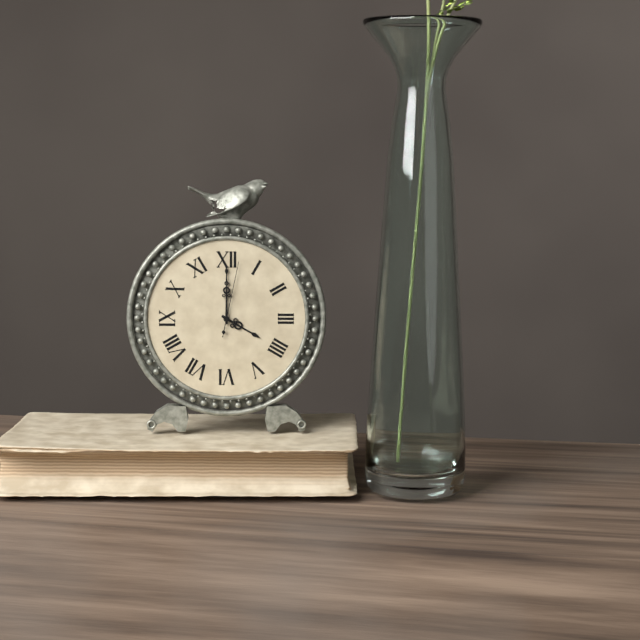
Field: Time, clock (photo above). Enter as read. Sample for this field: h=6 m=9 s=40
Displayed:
h=4 m=0 s=2
